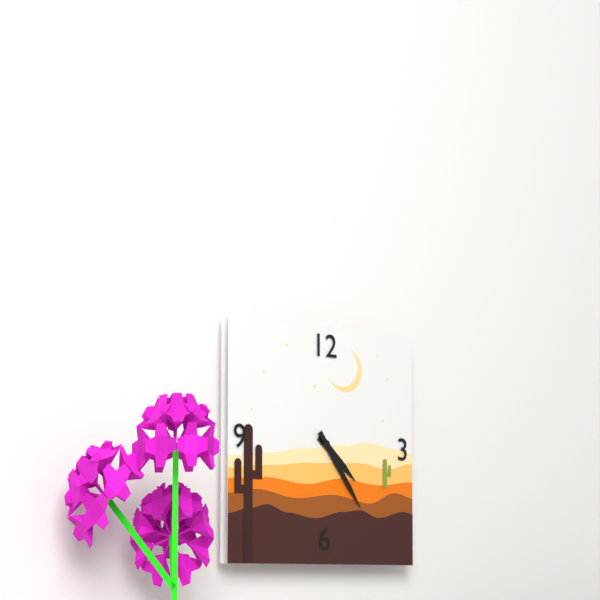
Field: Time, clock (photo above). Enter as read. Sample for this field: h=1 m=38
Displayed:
h=4 m=24
